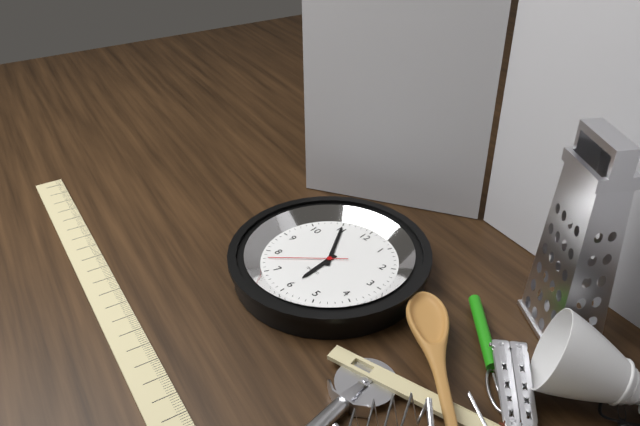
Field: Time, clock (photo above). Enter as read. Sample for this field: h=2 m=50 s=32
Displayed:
h=5 m=55 s=38
